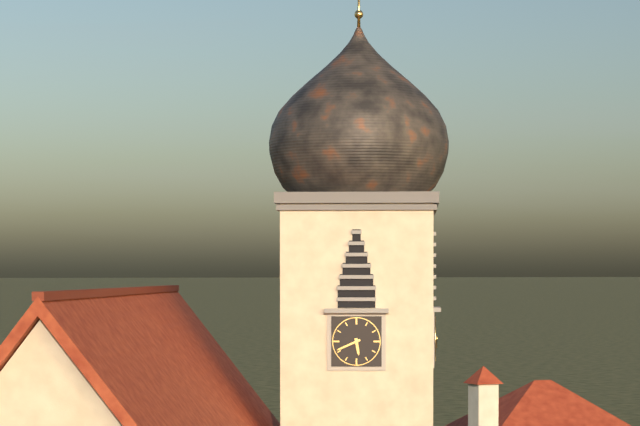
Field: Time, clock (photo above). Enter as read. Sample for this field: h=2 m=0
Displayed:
h=5 m=41
